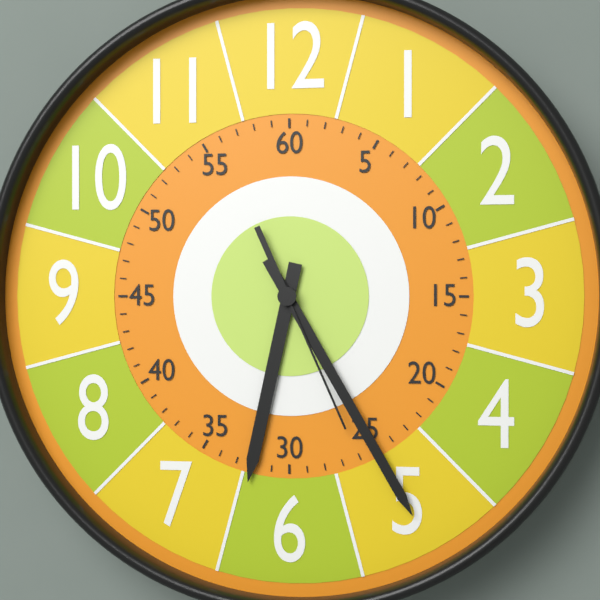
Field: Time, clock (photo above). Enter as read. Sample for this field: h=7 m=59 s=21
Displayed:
h=6 m=25 s=26
